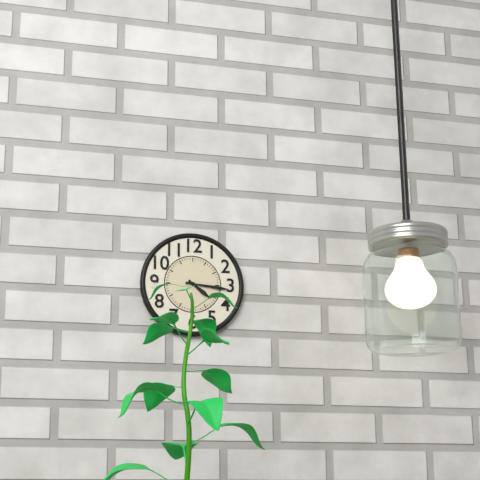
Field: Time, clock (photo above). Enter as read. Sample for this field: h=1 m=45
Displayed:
h=4 m=16
